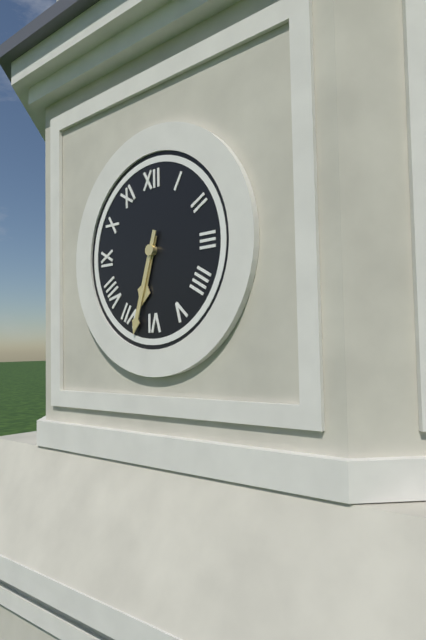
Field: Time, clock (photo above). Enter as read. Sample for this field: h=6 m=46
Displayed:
h=6 m=33
